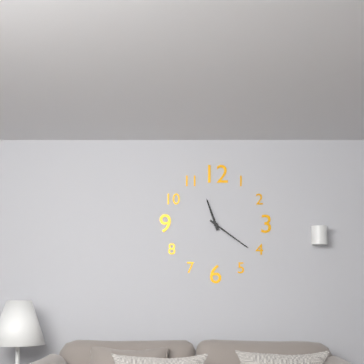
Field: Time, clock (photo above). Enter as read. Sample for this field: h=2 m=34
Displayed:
h=11 m=21
